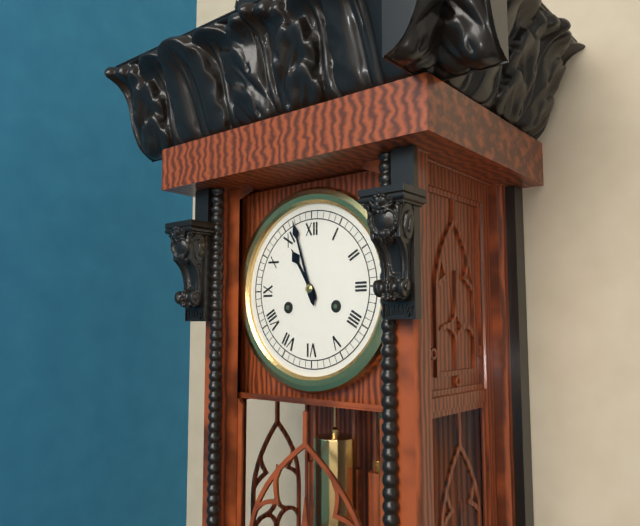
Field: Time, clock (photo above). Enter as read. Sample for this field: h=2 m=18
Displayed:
h=10 m=57
